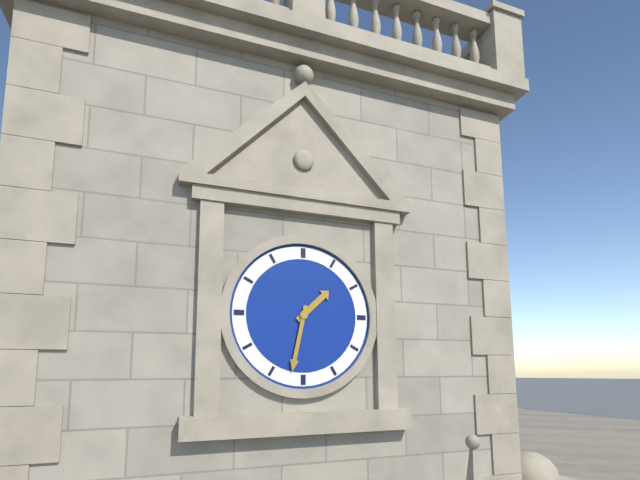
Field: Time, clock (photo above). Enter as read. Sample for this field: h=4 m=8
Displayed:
h=1 m=32
